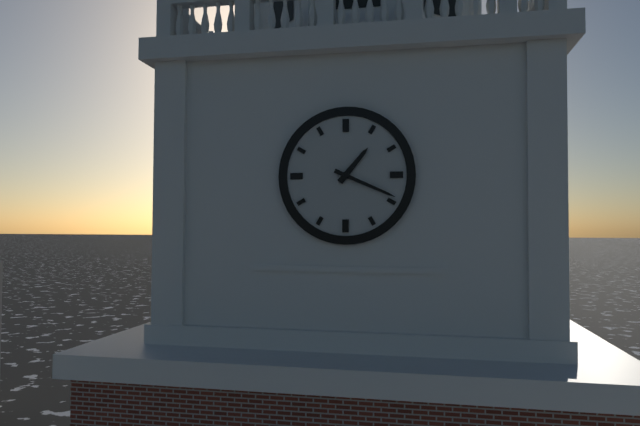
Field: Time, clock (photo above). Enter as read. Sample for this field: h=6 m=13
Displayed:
h=1 m=19
